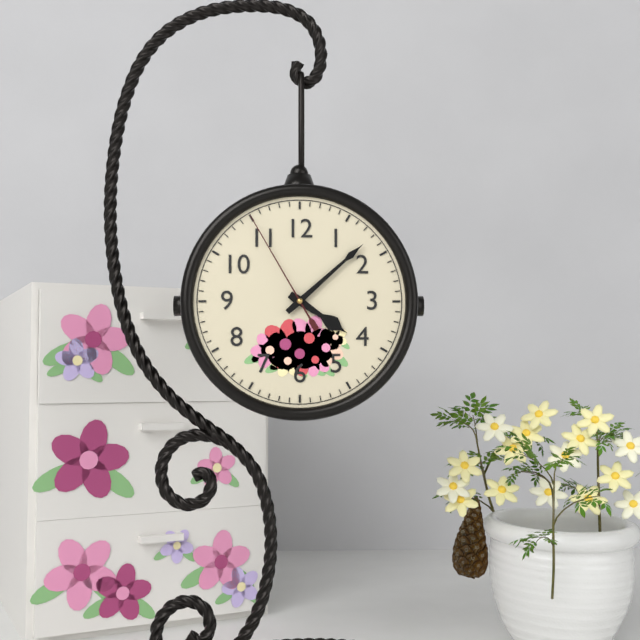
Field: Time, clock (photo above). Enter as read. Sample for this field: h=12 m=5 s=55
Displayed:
h=4 m=8 s=55
